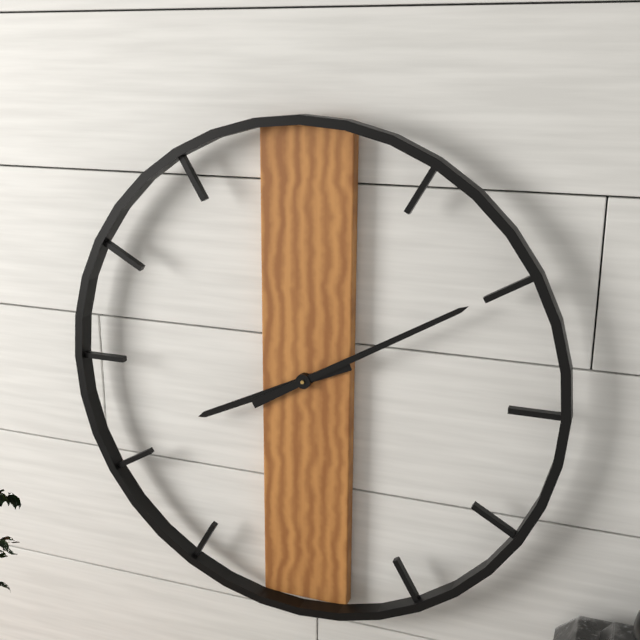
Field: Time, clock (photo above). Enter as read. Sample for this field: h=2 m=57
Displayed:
h=8 m=10
